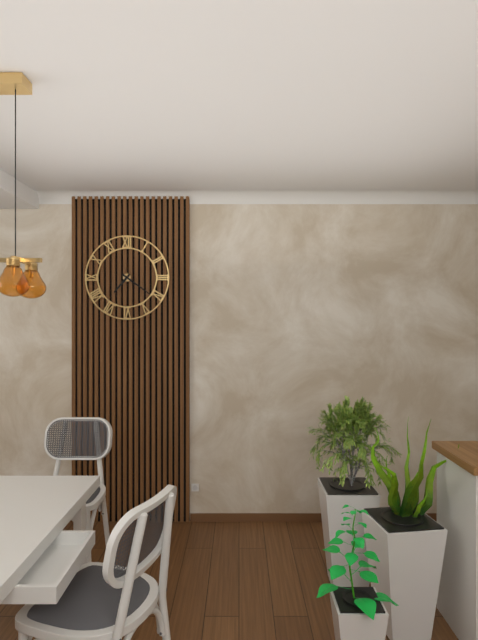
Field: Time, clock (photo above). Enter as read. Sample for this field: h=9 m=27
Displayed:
h=7 m=21
